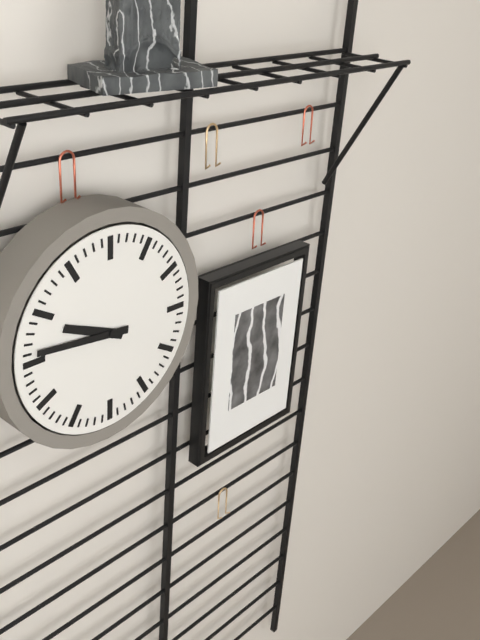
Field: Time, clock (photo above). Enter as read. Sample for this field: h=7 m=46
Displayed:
h=9 m=46
